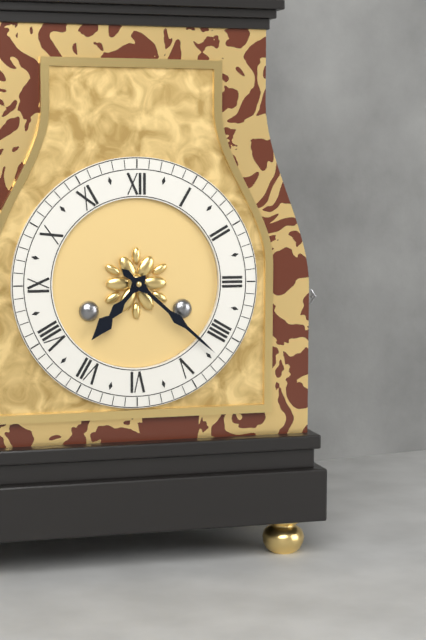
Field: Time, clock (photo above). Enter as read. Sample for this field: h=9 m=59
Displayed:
h=7 m=22
